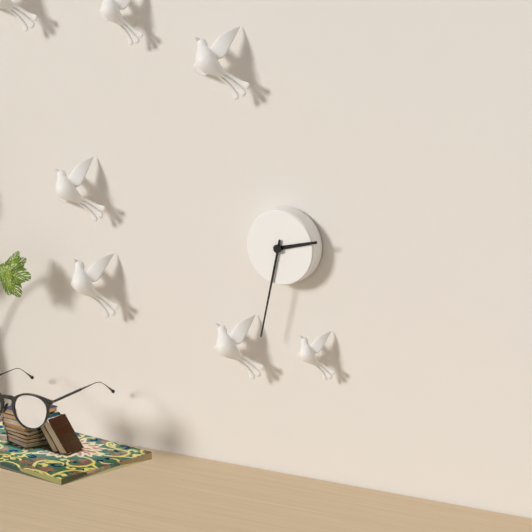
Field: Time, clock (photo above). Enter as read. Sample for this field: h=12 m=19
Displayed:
h=2 m=32
